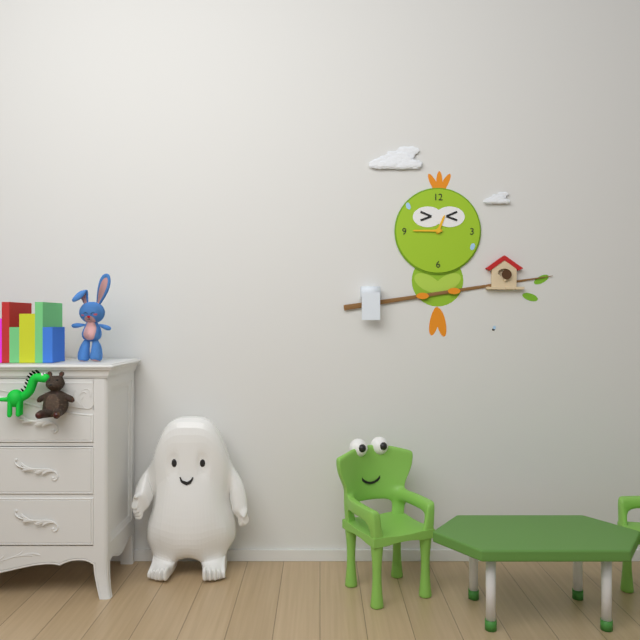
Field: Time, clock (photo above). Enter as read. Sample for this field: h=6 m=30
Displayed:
h=12 m=45
